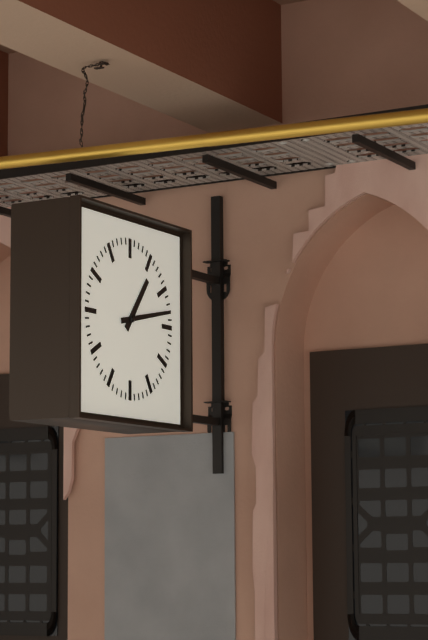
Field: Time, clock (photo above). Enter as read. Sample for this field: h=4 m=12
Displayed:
h=1 m=13
